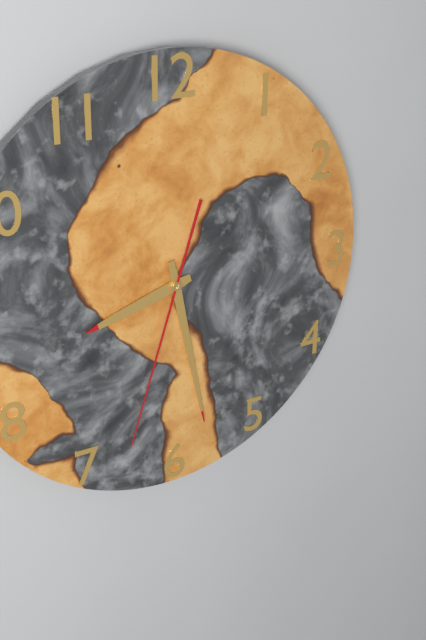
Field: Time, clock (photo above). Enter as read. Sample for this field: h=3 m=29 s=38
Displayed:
h=8 m=28 s=33
